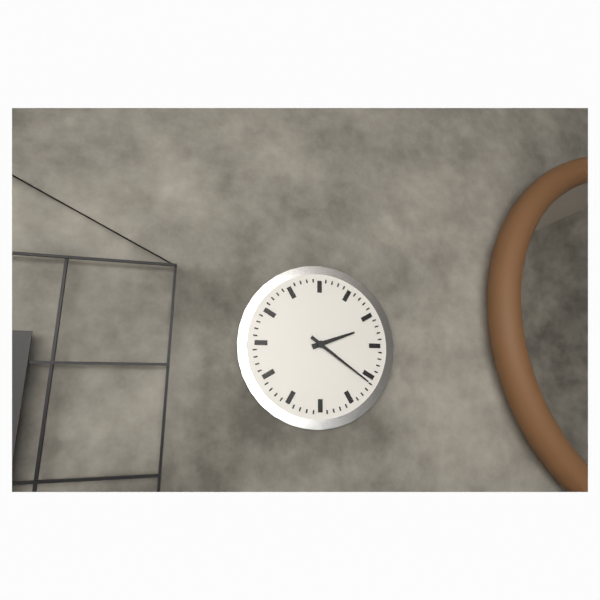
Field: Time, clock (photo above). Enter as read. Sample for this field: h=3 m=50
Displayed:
h=2 m=21
